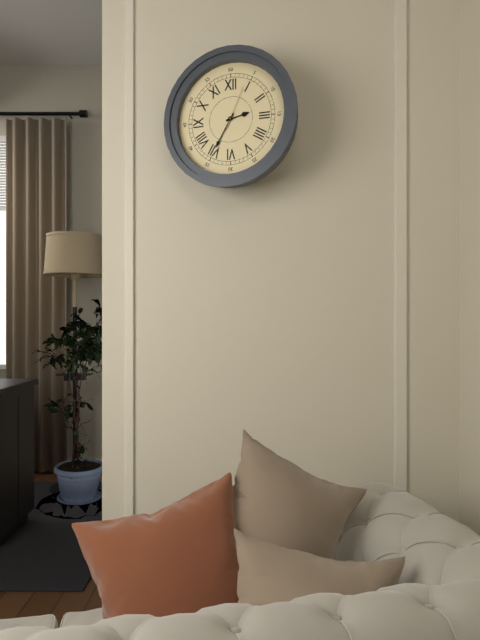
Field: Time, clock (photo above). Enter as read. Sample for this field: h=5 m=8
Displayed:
h=2 m=35
